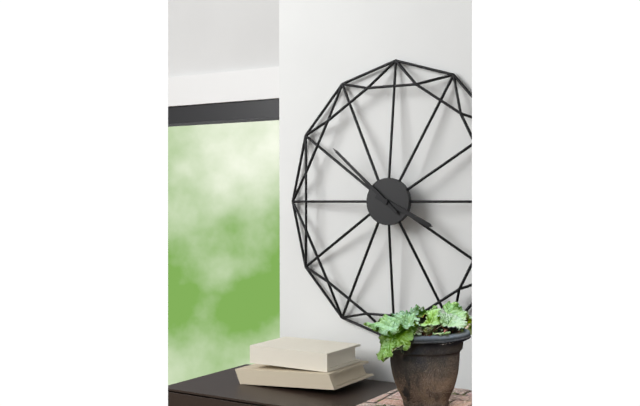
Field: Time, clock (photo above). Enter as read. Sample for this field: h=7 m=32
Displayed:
h=3 m=52
